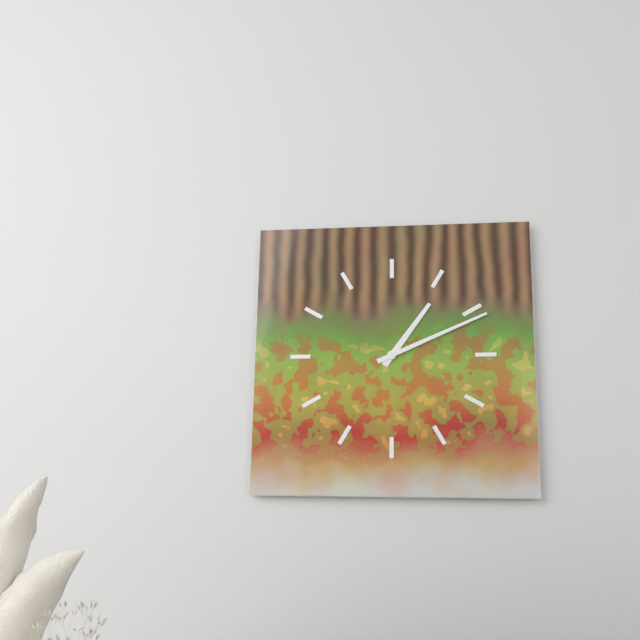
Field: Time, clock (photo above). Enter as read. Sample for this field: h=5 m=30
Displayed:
h=1 m=11
